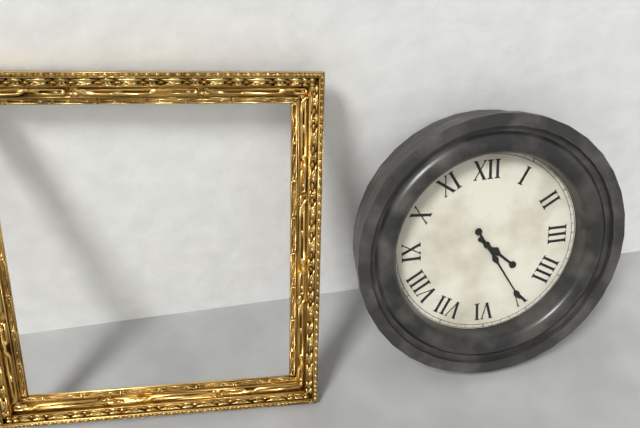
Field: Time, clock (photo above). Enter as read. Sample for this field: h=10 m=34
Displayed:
h=4 m=25
